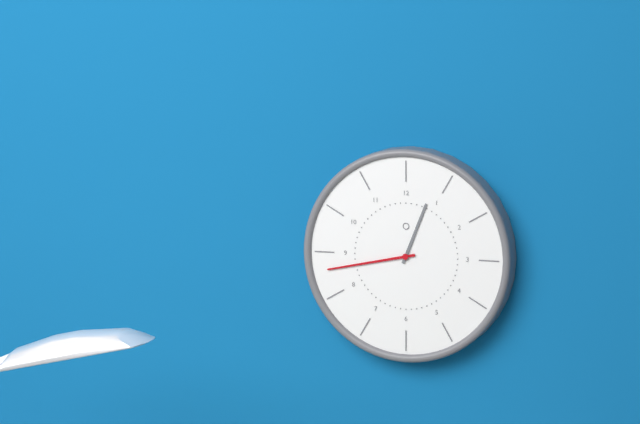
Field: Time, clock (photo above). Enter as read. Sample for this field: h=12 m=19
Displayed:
h=12 m=43
